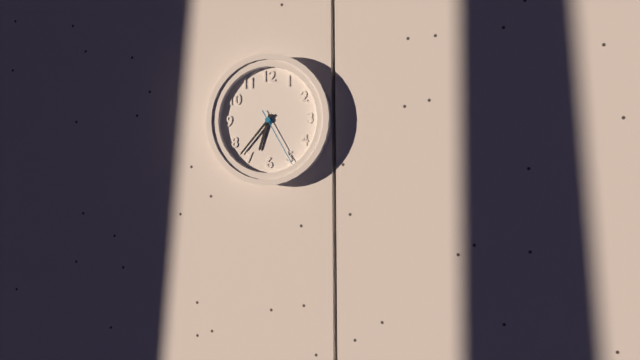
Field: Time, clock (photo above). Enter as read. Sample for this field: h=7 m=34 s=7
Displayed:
h=6 m=37 s=25
